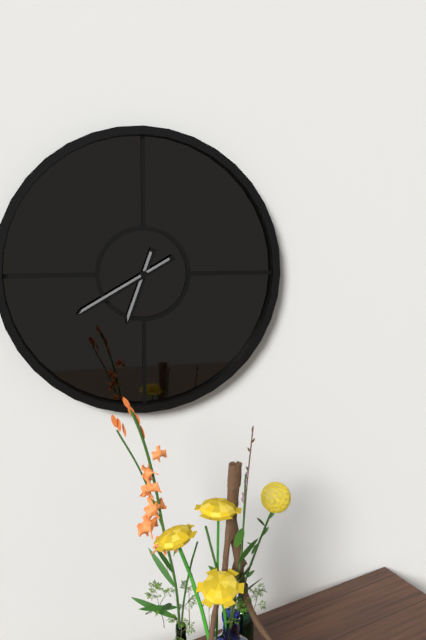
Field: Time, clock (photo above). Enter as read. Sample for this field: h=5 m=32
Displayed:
h=6 m=40
